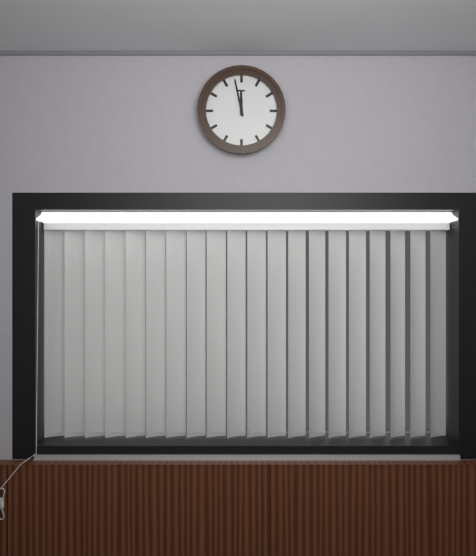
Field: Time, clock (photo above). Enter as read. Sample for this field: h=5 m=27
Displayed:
h=11 m=58
